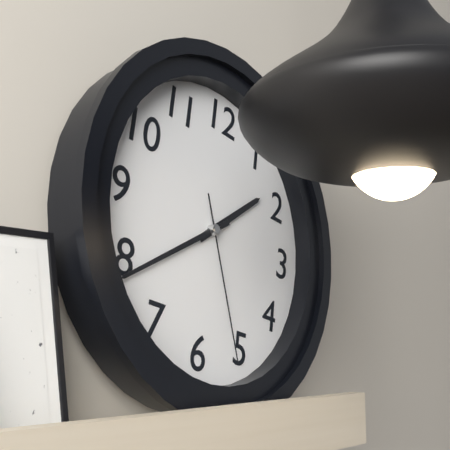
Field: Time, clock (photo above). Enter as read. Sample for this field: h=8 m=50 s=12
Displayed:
h=1 m=39 s=26
